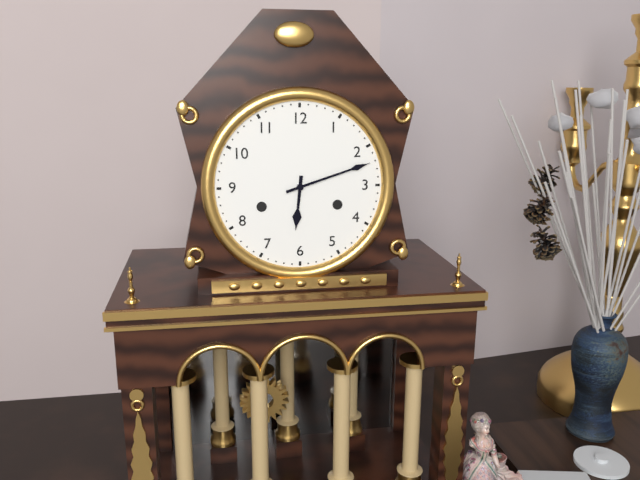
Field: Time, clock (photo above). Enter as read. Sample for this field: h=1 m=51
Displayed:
h=6 m=12
